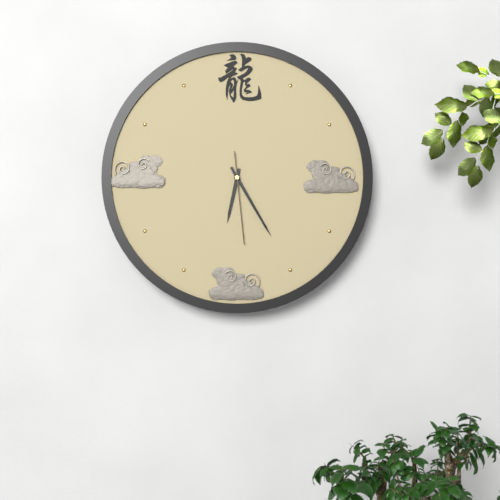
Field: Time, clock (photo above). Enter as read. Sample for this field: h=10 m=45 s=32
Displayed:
h=6 m=25 s=29
